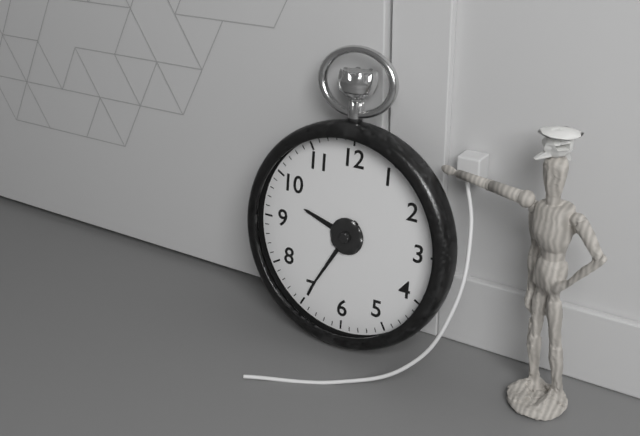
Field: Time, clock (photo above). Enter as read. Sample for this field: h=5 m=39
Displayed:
h=9 m=35
